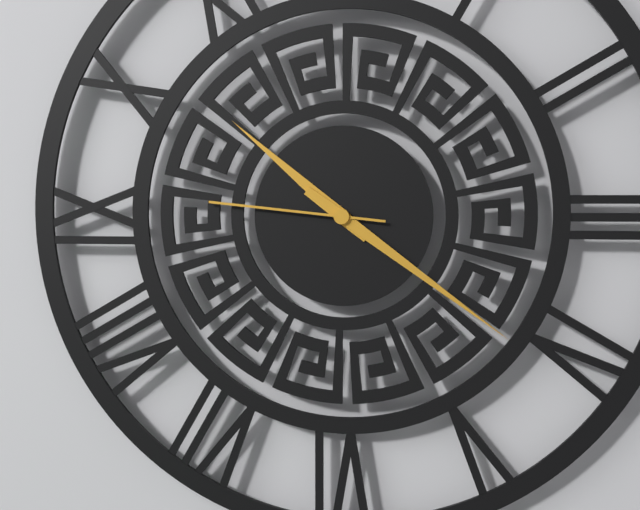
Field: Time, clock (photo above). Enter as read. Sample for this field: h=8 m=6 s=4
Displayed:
h=10 m=21 s=46
